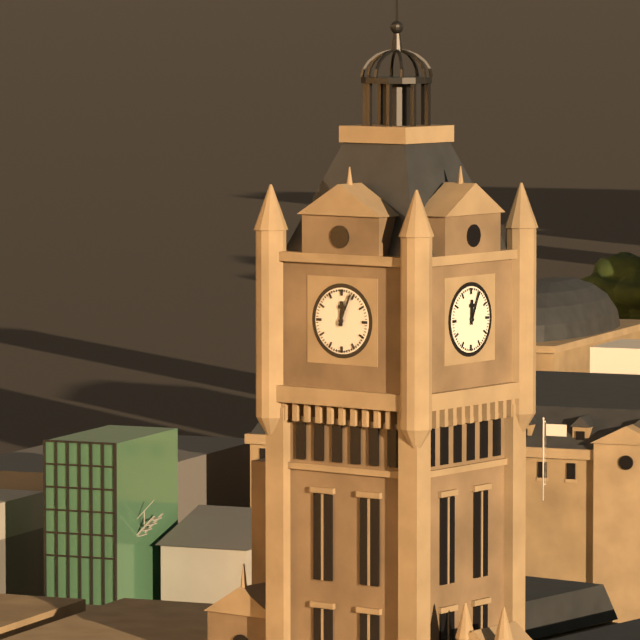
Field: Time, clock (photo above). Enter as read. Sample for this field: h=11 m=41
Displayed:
h=12 m=4
